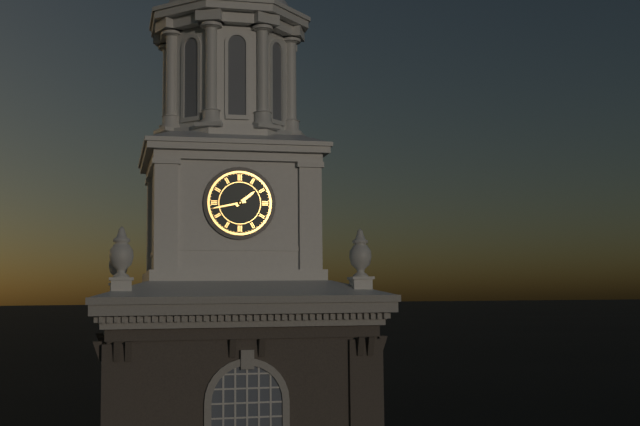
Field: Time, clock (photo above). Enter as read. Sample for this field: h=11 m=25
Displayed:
h=1 m=43
